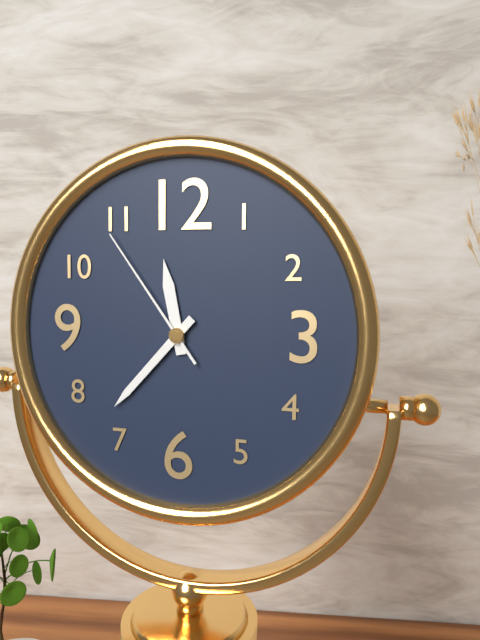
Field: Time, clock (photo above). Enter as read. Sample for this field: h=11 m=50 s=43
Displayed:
h=11 m=37 s=54
